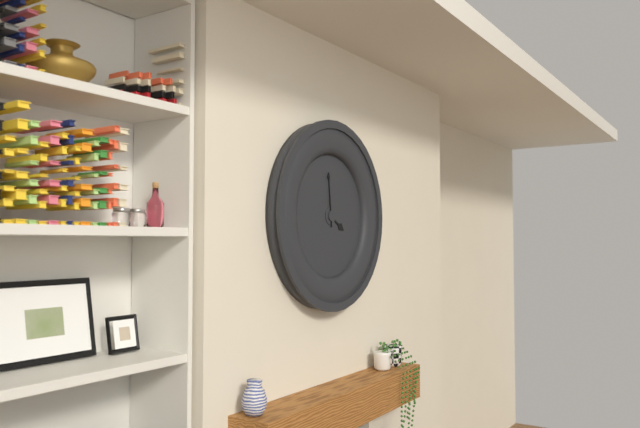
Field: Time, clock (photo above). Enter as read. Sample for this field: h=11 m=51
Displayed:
h=3 m=59
